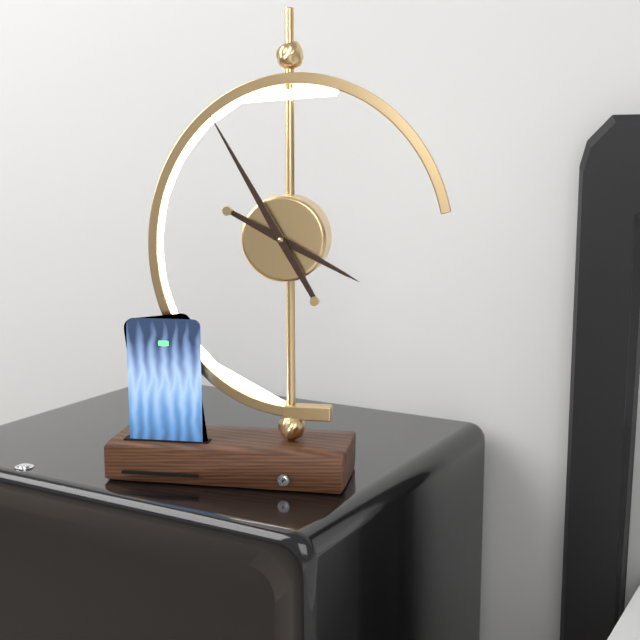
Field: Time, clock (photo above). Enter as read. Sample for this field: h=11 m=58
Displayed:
h=3 m=55
